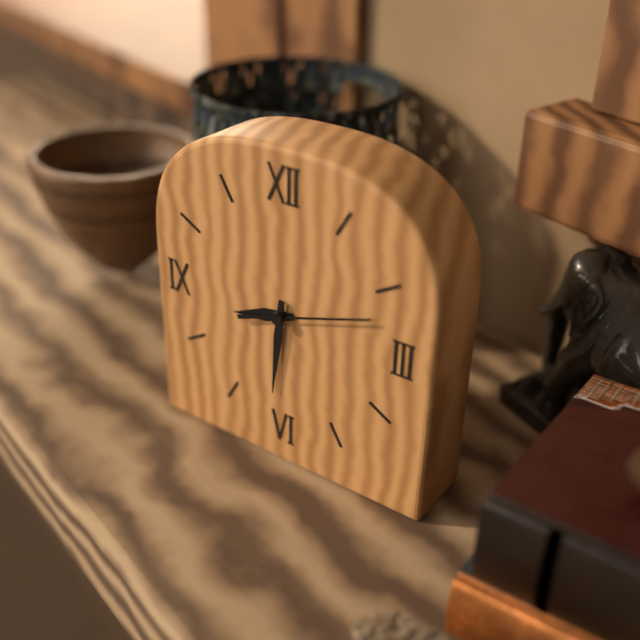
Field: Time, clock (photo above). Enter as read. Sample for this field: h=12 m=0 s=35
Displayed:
h=8 m=31 s=12
